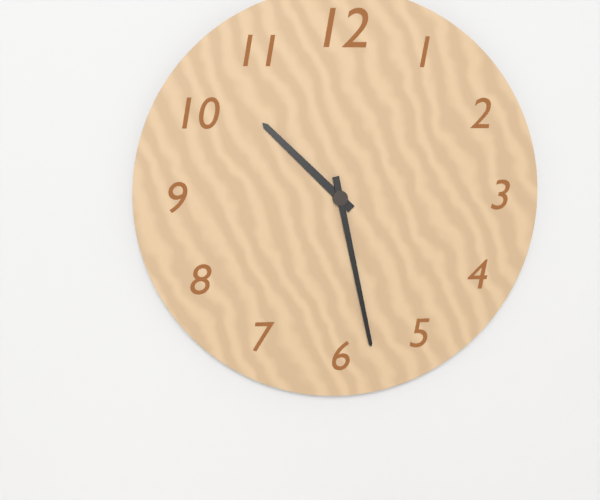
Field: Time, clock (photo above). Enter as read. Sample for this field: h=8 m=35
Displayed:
h=10 m=28
